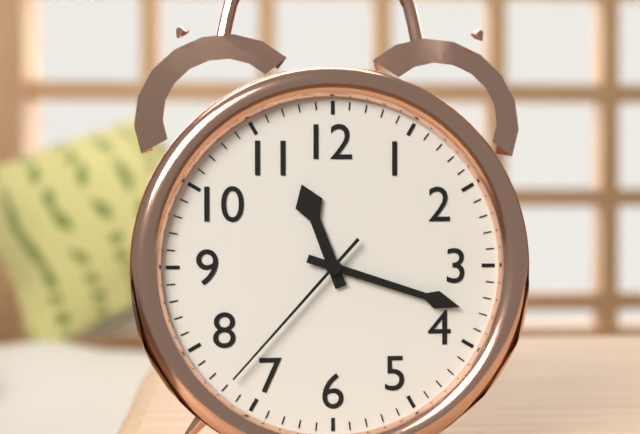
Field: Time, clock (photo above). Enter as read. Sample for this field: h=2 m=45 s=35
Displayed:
h=11 m=18 s=37
